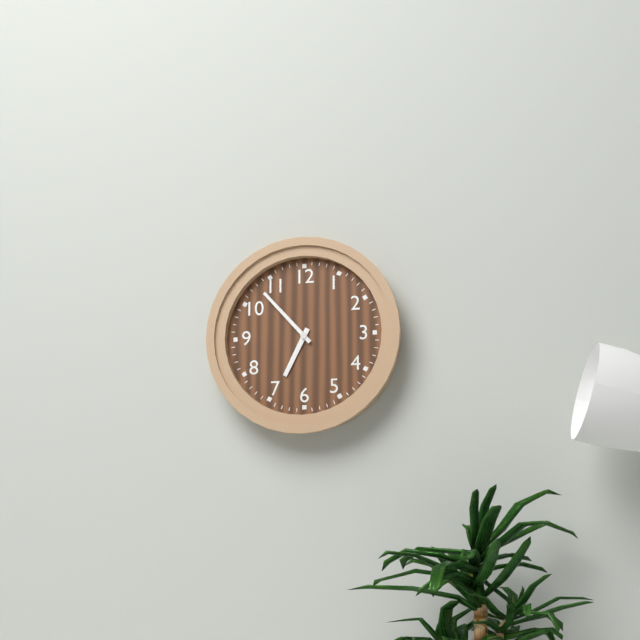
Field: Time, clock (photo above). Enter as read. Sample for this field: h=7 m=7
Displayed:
h=6 m=53
